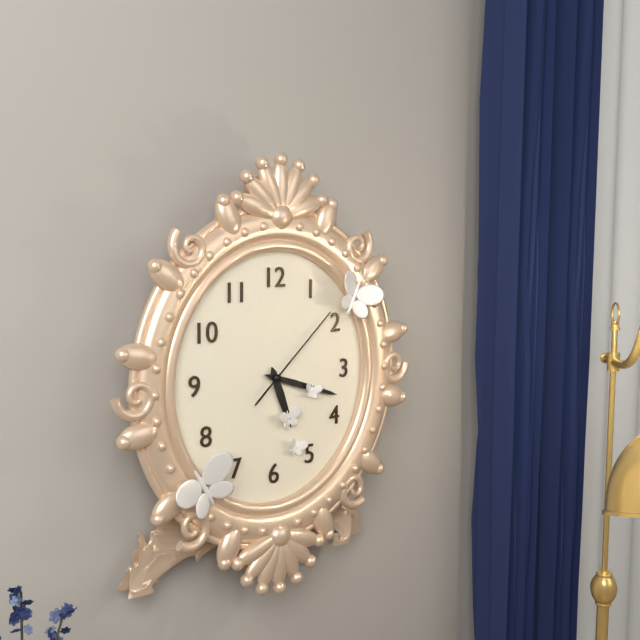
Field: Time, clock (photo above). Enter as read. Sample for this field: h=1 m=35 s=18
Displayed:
h=5 m=18 s=8
